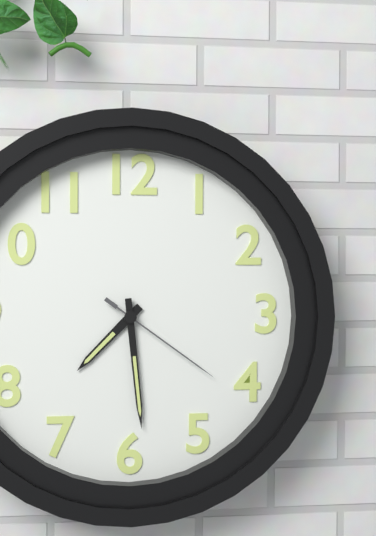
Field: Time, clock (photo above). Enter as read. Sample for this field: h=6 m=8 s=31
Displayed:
h=7 m=29 s=21
